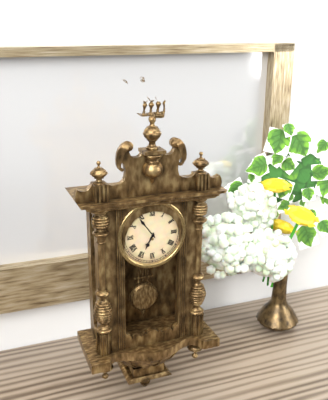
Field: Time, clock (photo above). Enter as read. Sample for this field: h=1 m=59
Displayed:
h=6 m=54
